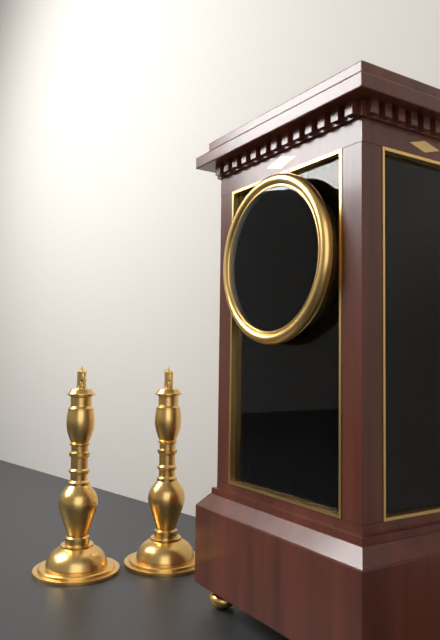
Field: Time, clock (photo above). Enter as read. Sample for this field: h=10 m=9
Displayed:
h=8 m=52
